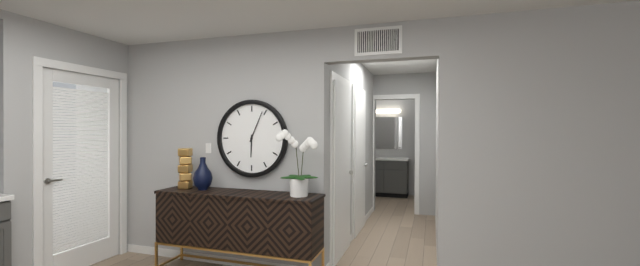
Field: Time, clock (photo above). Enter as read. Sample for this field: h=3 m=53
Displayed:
h=6 m=4
